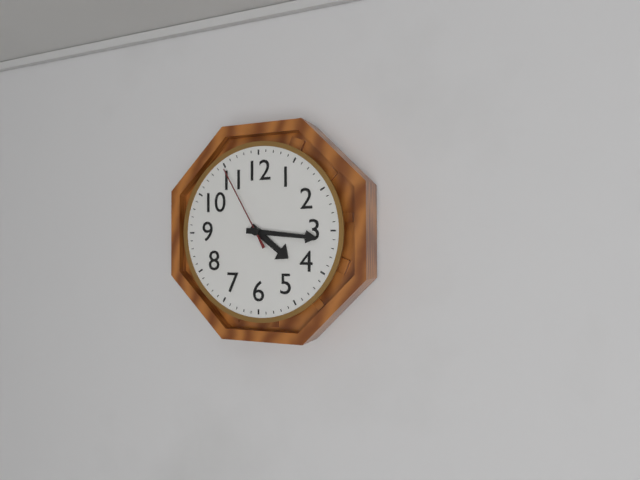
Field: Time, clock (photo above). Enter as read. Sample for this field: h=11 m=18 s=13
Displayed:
h=4 m=16 s=55
